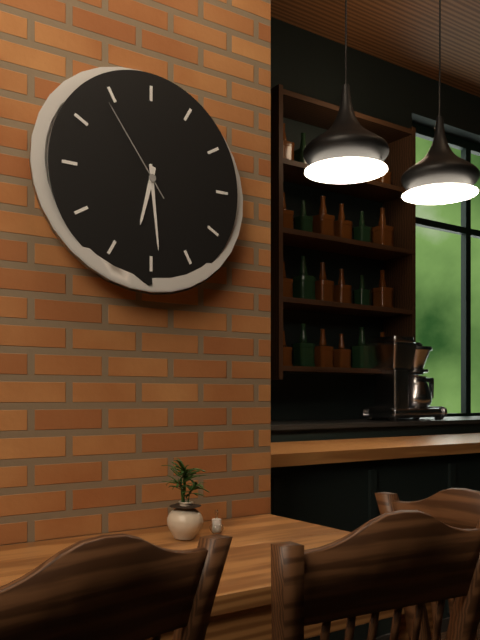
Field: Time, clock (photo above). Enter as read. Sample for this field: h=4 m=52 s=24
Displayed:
h=6 m=29 s=54
